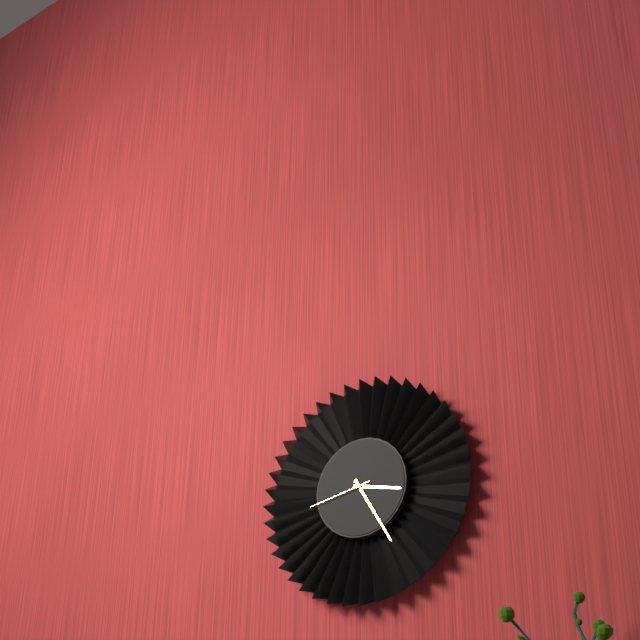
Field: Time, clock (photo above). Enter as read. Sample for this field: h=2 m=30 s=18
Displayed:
h=3 m=25 s=43
